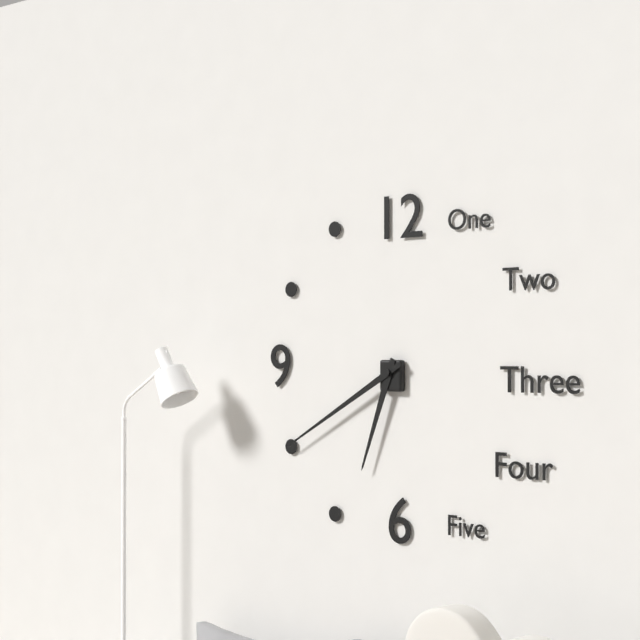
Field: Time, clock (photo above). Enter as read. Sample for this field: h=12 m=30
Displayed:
h=6 m=40
